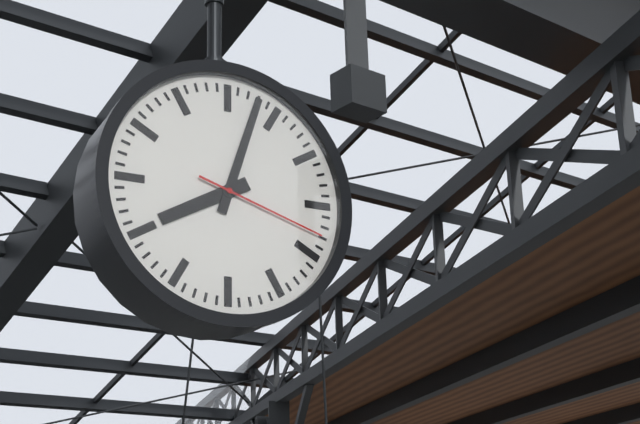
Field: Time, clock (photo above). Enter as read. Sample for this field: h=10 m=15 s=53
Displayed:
h=8 m=3 s=18
